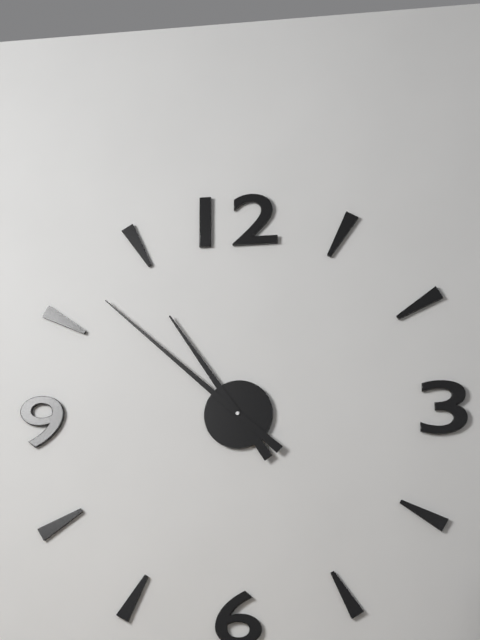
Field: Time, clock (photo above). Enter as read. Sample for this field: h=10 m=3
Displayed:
h=10 m=52
